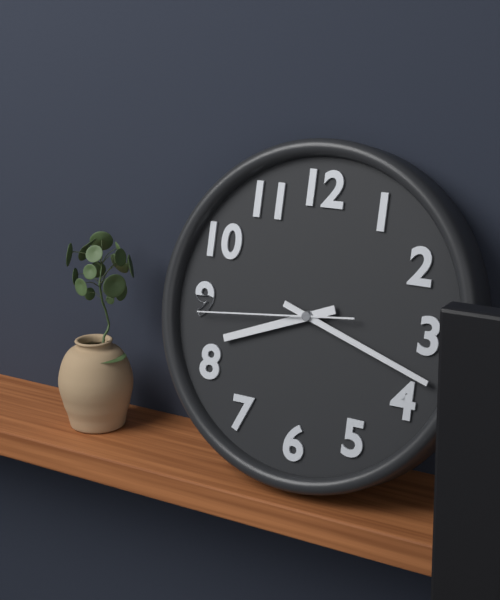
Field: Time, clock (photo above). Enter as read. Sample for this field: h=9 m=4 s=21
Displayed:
h=8 m=18 s=44
